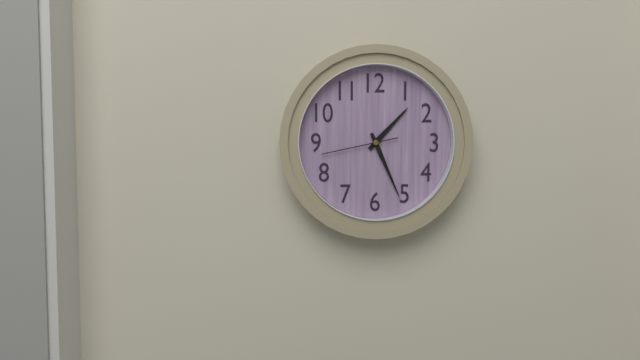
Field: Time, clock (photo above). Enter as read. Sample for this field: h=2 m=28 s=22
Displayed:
h=1 m=26 s=43
